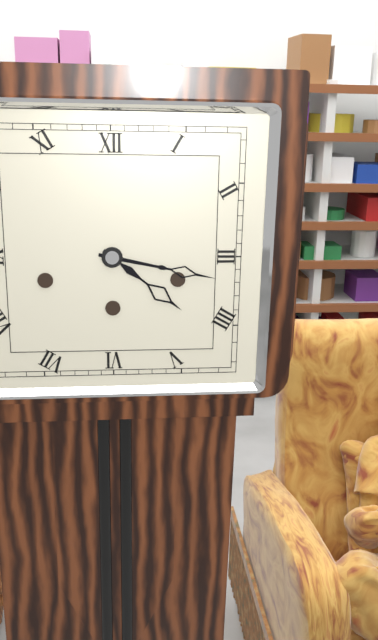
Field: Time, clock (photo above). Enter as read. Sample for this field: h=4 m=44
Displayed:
h=4 m=17
